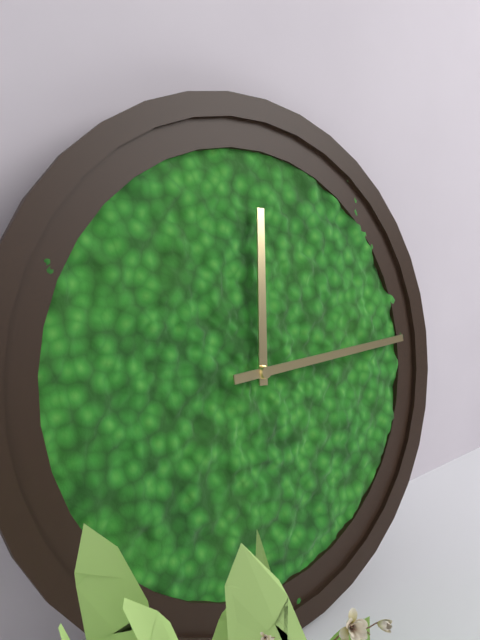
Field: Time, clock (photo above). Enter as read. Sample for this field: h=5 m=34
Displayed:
h=12 m=15
